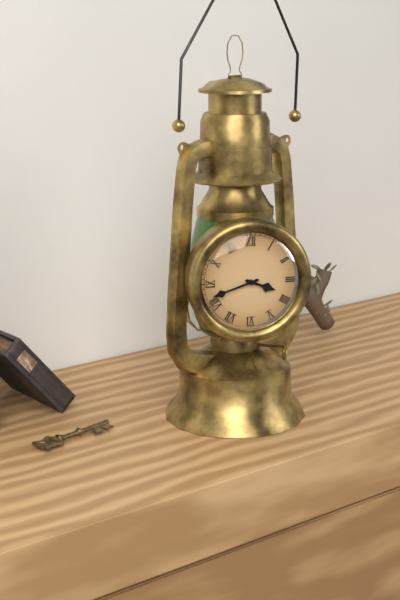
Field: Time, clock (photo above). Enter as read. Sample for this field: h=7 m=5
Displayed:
h=3 m=42
